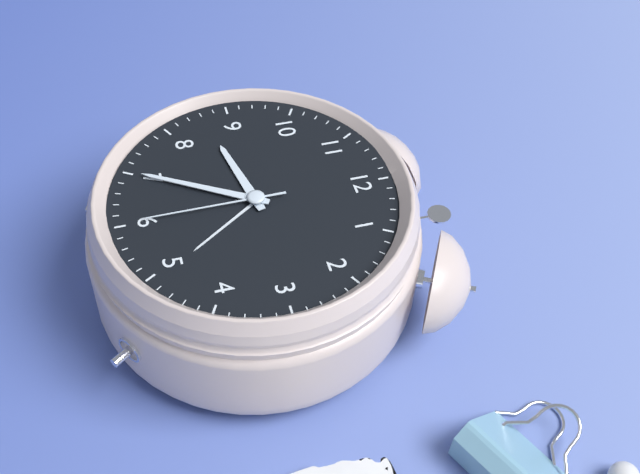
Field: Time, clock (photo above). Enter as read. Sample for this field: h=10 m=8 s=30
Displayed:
h=8 m=35 s=30
